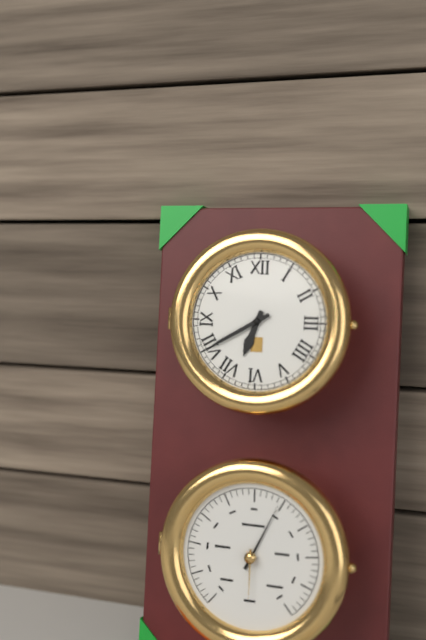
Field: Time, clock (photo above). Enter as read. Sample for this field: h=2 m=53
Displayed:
h=6 m=40
